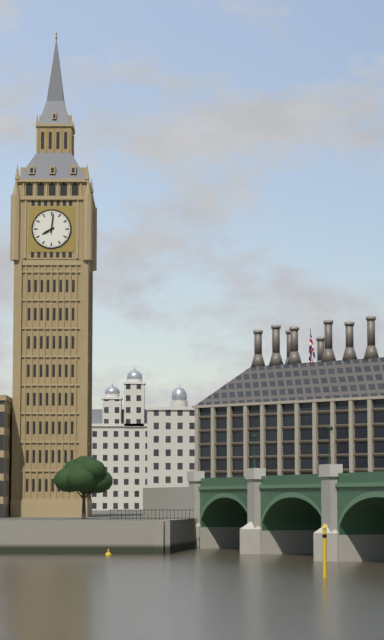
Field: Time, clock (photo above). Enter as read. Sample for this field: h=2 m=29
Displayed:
h=8 m=1
